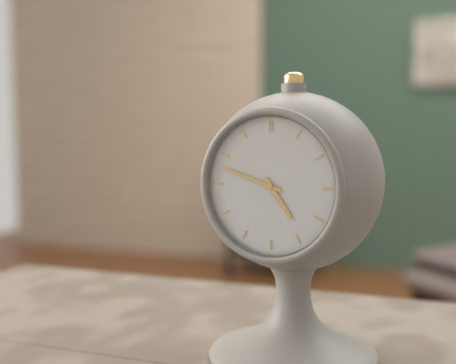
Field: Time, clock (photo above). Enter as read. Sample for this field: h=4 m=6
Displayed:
h=4 m=48
